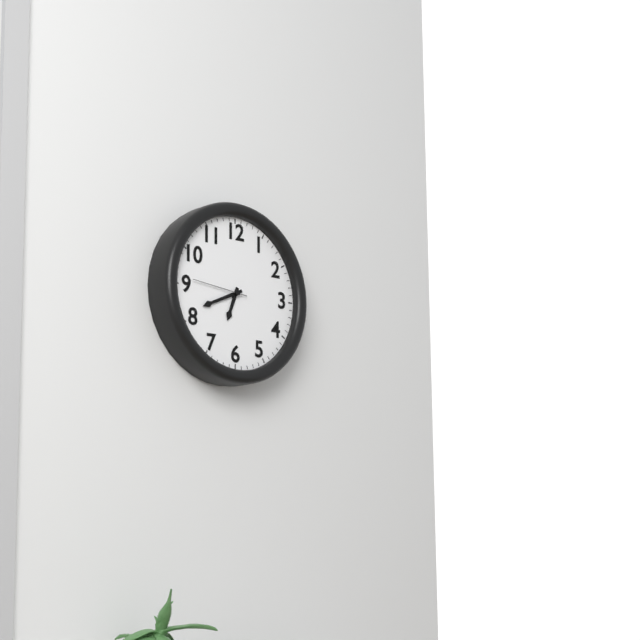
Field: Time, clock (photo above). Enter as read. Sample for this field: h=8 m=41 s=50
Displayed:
h=6 m=41 s=46
